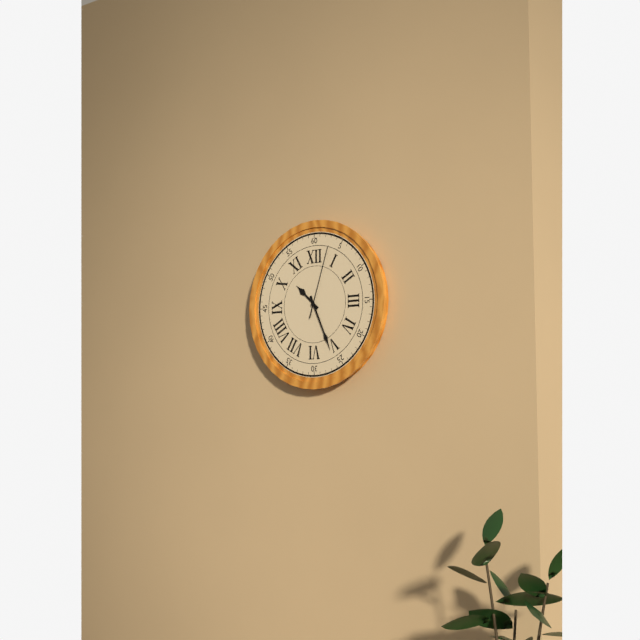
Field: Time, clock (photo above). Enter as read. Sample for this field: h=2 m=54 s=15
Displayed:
h=10 m=26 s=3
